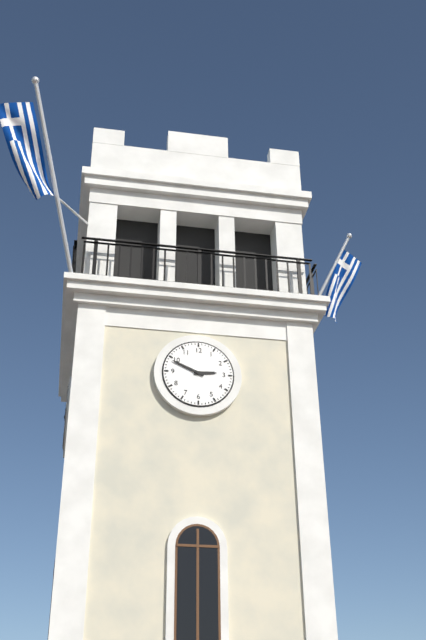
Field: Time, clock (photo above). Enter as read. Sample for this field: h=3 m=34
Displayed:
h=2 m=49
